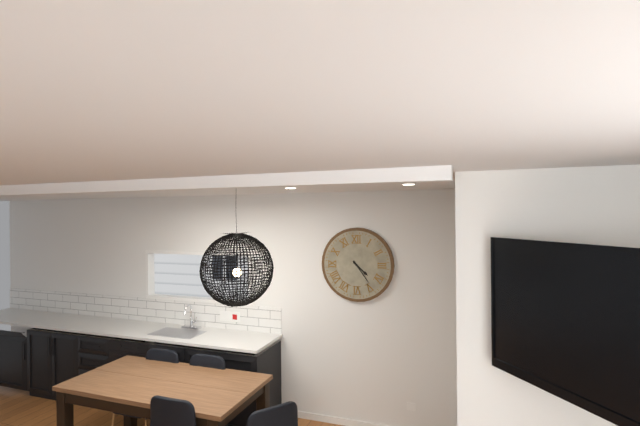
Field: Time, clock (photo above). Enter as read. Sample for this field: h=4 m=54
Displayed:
h=4 m=24
